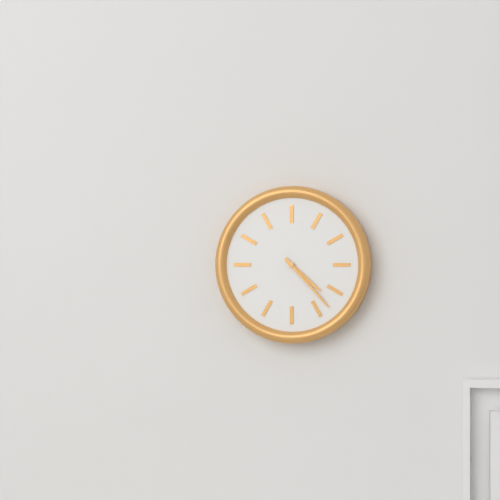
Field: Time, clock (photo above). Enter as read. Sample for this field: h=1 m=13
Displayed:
h=4 m=23
